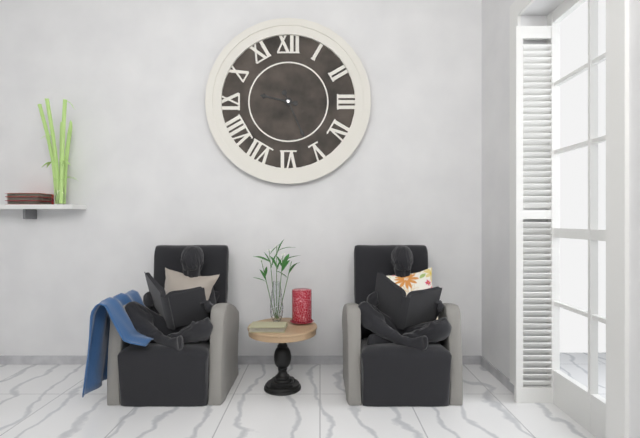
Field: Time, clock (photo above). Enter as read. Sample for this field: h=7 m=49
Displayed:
h=9 m=26
